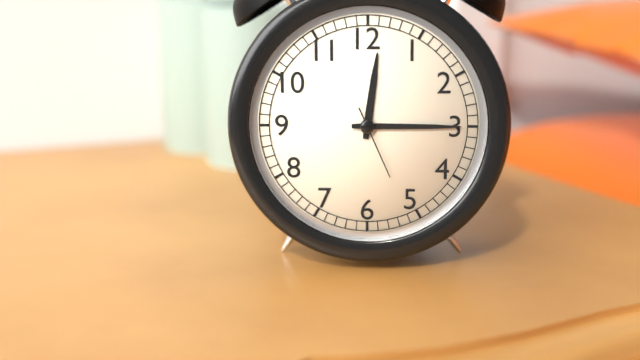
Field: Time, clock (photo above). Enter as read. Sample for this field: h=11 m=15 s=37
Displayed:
h=12 m=15 s=26
